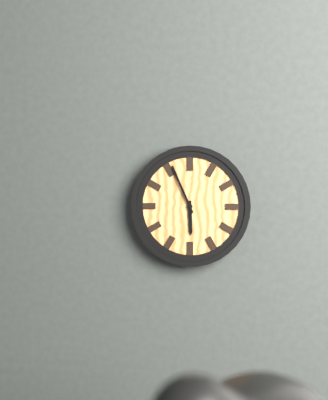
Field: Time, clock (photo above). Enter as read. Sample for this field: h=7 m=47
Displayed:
h=5 m=56
